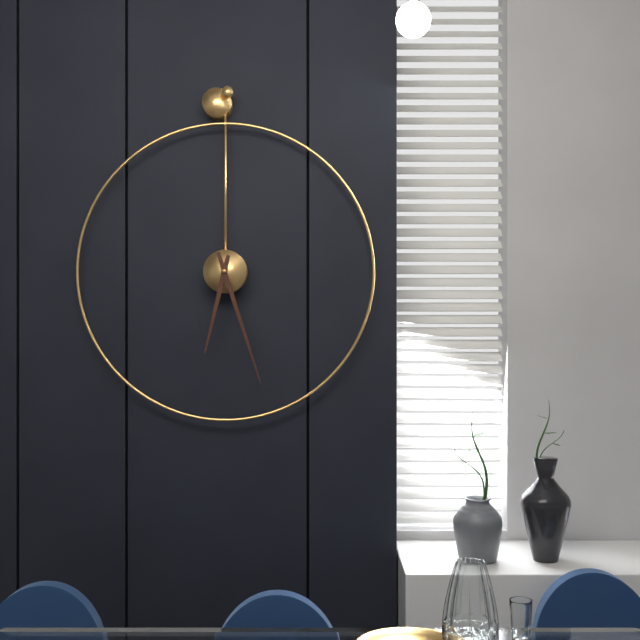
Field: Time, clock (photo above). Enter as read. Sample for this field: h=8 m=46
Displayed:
h=6 m=27
